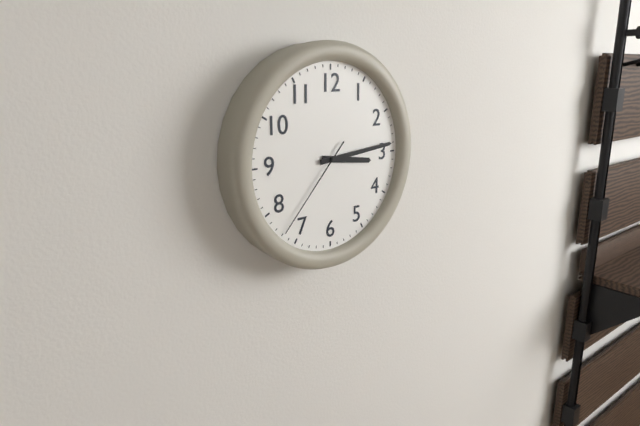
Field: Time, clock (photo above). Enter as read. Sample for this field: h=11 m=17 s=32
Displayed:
h=3 m=14 s=37
